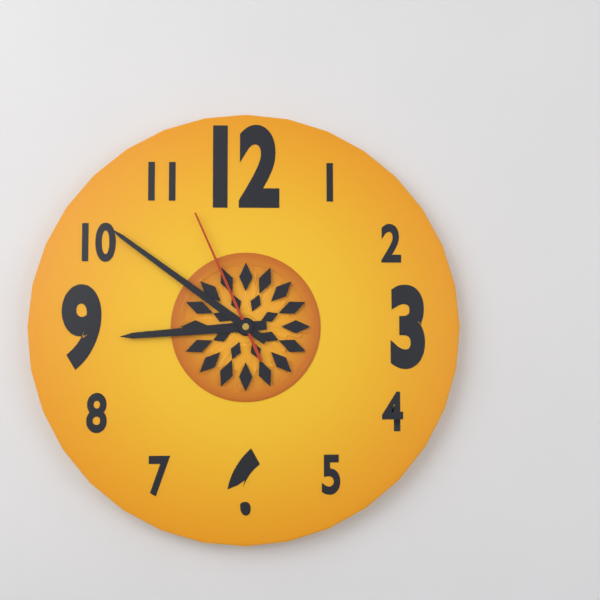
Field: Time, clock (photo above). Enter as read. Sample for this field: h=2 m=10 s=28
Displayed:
h=8 m=51 s=56
